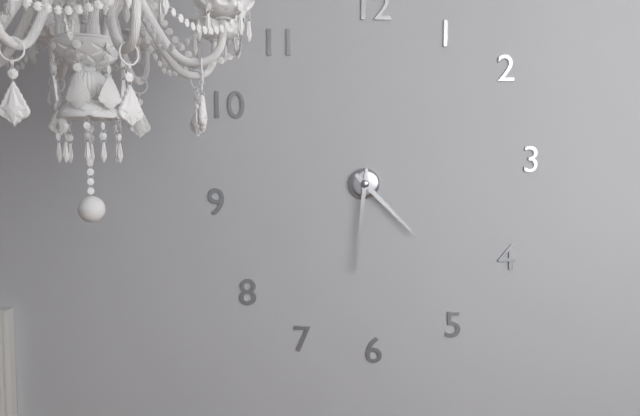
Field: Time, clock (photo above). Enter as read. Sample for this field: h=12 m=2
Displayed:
h=4 m=31
